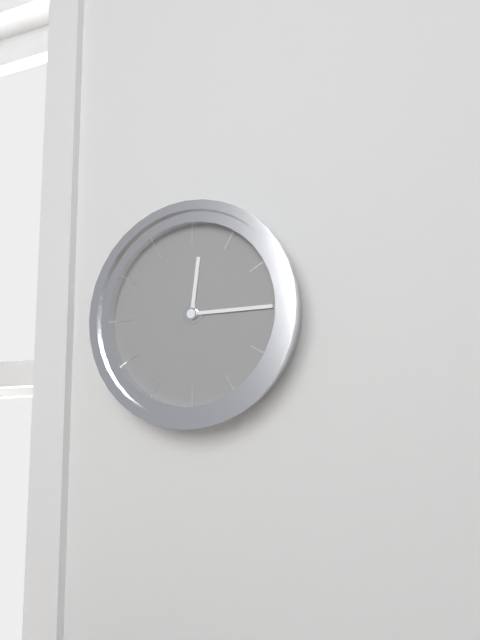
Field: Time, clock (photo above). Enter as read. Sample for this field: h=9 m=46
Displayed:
h=12 m=15
